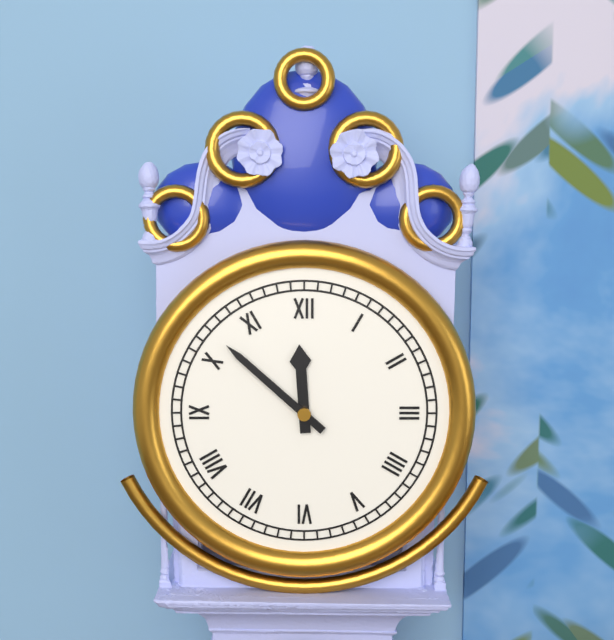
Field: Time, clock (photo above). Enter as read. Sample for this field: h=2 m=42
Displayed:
h=11 m=52
